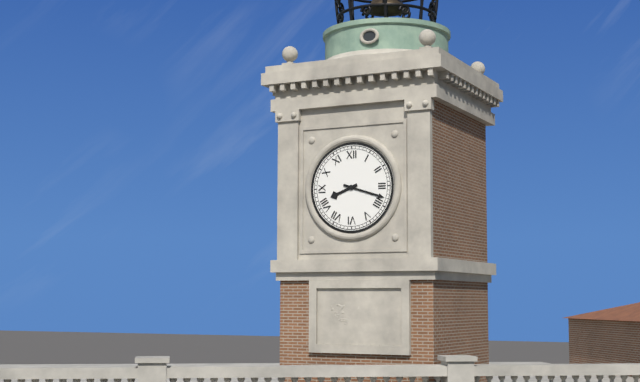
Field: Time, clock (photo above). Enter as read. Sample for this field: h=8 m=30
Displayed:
h=8 m=18
